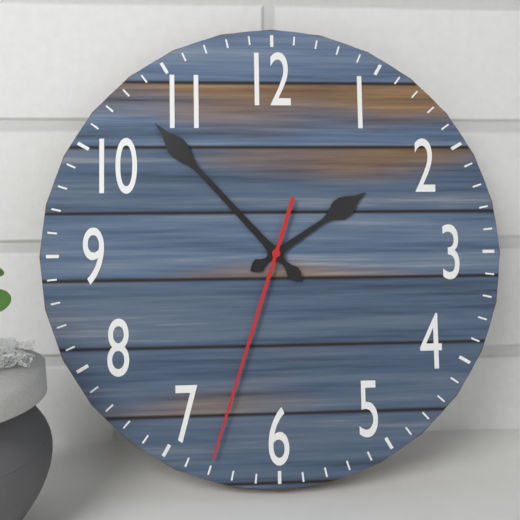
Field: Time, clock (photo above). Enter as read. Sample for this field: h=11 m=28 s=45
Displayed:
h=1 m=53 s=33
